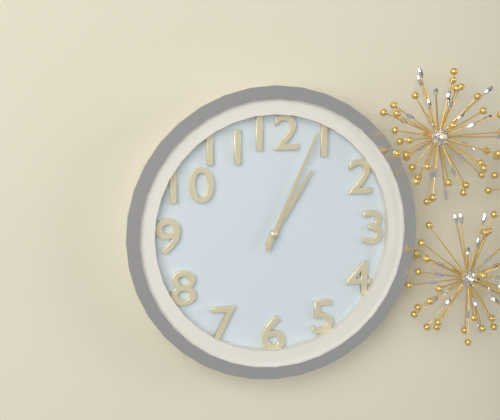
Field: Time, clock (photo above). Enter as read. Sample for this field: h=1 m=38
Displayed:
h=1 m=4
